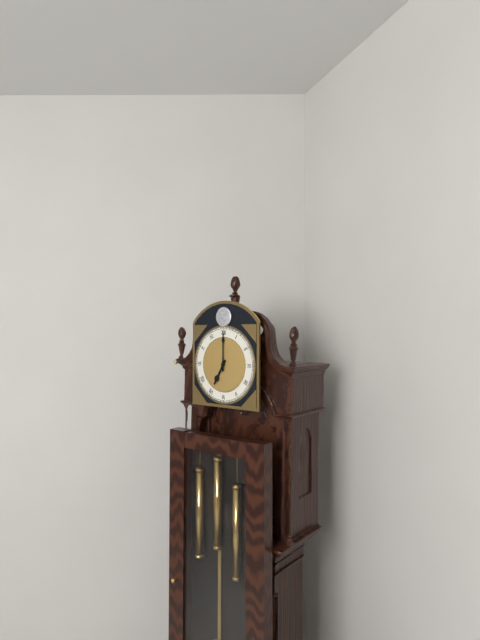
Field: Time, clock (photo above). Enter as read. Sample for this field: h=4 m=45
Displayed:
h=7 m=0
